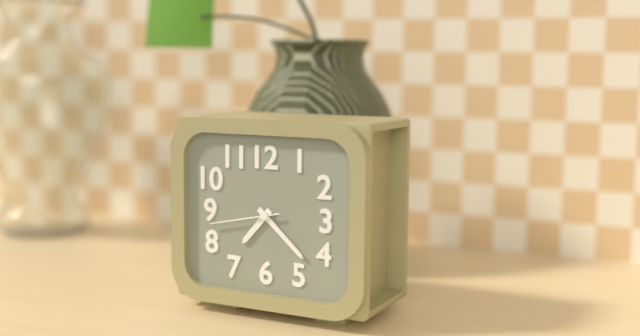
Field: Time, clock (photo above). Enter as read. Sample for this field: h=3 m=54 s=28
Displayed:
h=7 m=22 s=43
